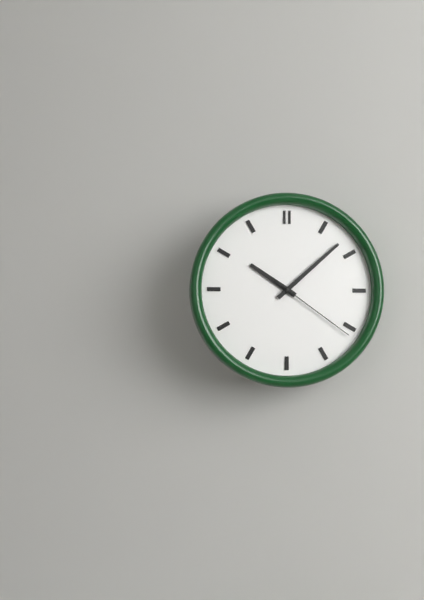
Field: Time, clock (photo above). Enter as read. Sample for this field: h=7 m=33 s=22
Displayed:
h=10 m=8 s=21
